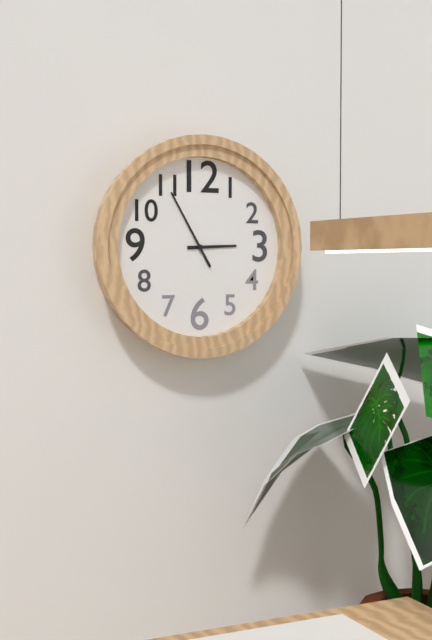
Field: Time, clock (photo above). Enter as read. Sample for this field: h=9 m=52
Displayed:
h=2 m=55
